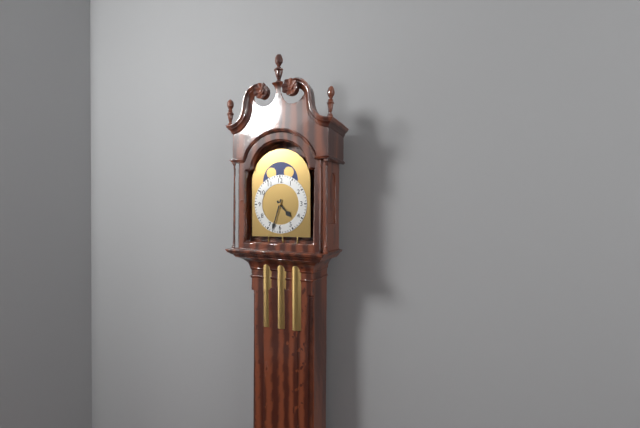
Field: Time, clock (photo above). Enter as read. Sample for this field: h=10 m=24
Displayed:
h=4 m=33
